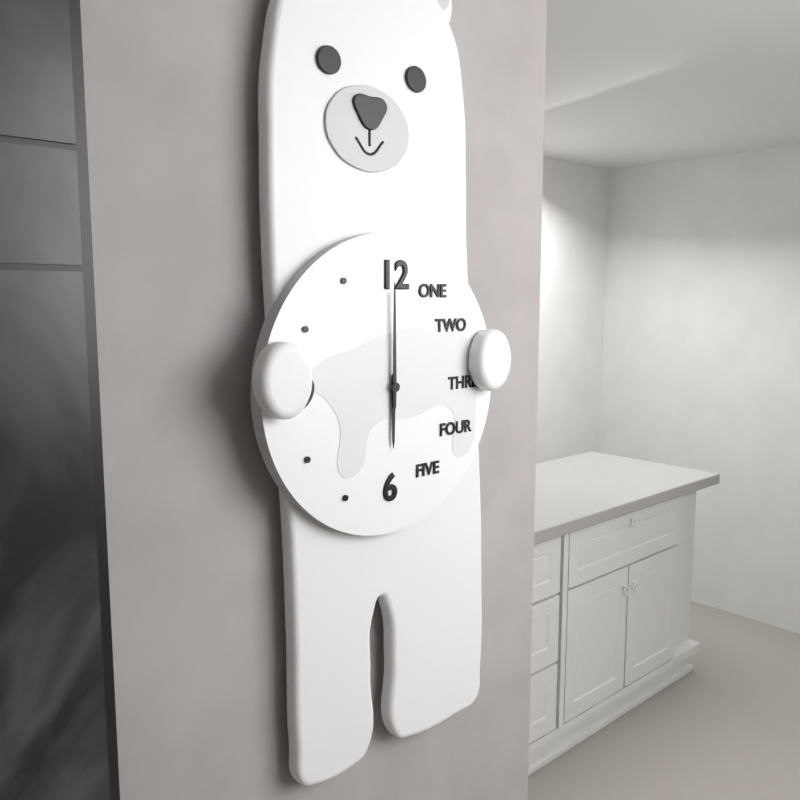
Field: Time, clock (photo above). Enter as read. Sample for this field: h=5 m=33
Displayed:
h=6 m=0
